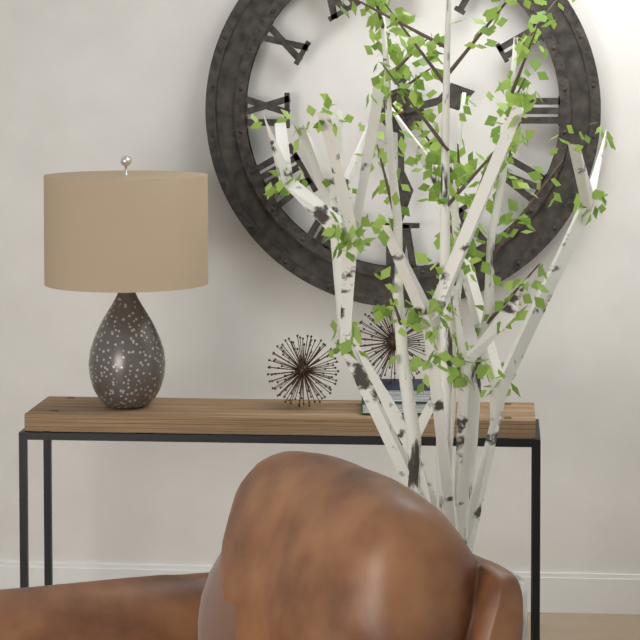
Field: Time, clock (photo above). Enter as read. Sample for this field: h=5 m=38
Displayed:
h=2 m=30
